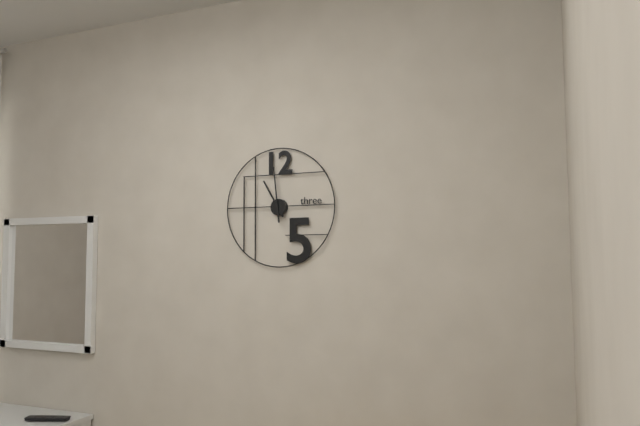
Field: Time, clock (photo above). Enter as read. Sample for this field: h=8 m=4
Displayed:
h=10 m=59
